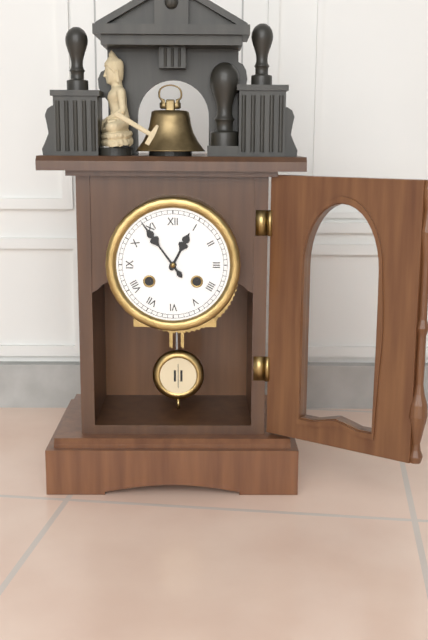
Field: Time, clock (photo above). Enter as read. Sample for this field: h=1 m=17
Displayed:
h=12 m=54
